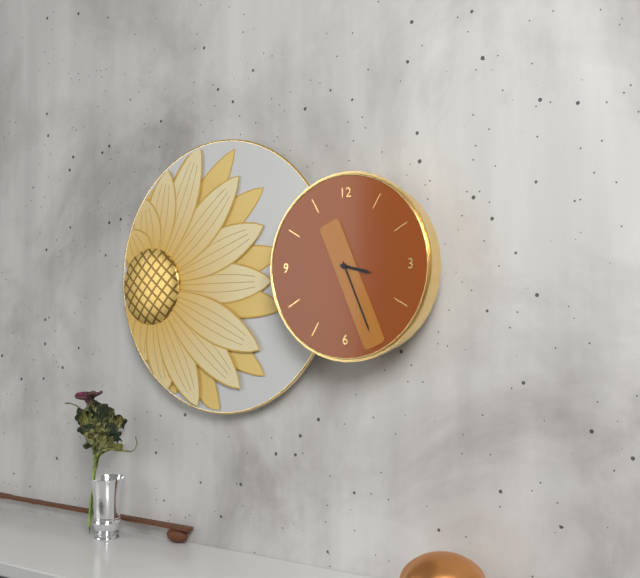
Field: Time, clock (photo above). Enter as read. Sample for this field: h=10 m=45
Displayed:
h=3 m=26
